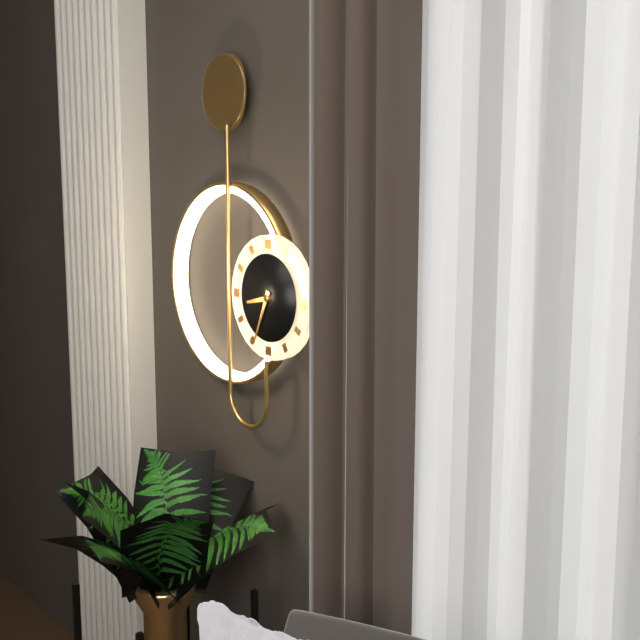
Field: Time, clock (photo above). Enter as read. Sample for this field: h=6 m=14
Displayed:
h=8 m=34
